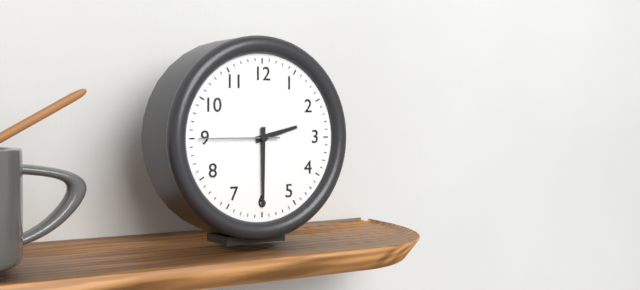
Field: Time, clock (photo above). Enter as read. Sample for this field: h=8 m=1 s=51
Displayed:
h=2 m=30 s=45
